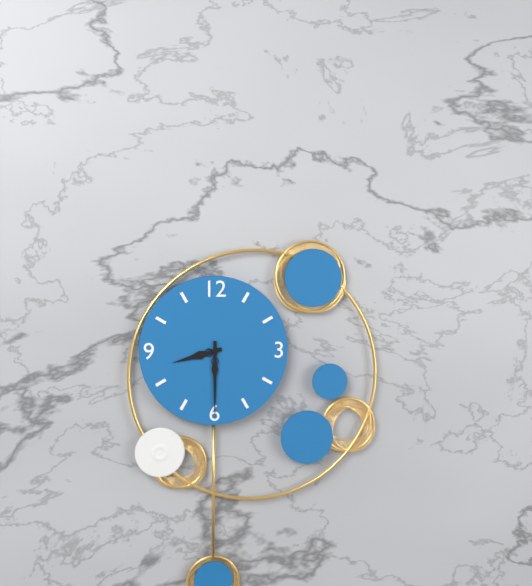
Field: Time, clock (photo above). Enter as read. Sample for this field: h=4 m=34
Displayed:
h=8 m=30
